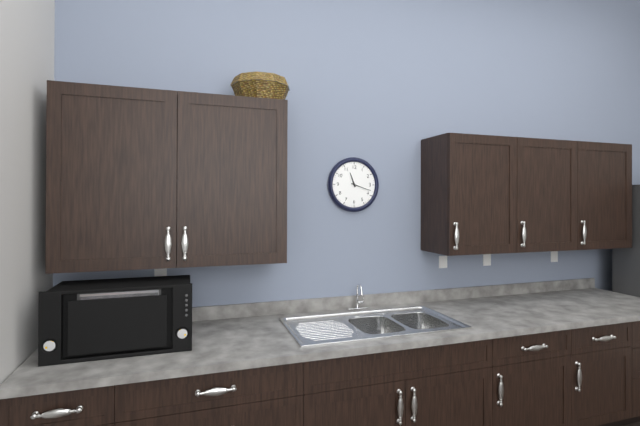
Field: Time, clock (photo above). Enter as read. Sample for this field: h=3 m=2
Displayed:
h=11 m=18
